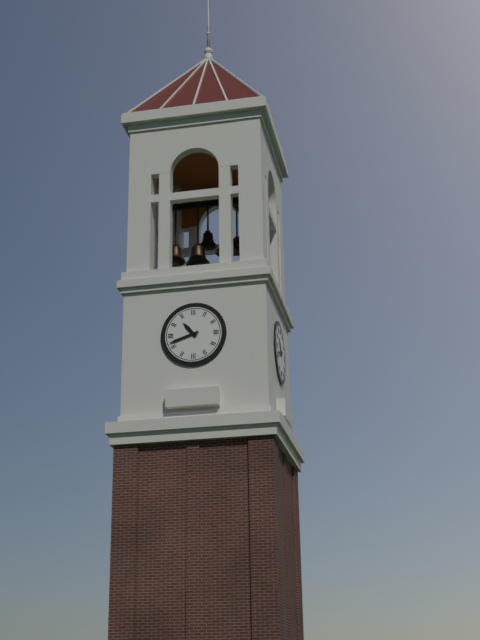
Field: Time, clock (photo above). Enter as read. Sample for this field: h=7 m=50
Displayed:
h=10 m=42
